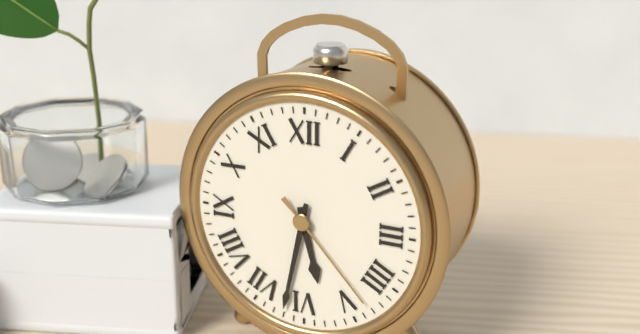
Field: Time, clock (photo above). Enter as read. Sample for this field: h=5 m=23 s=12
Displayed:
h=5 m=32 s=23
